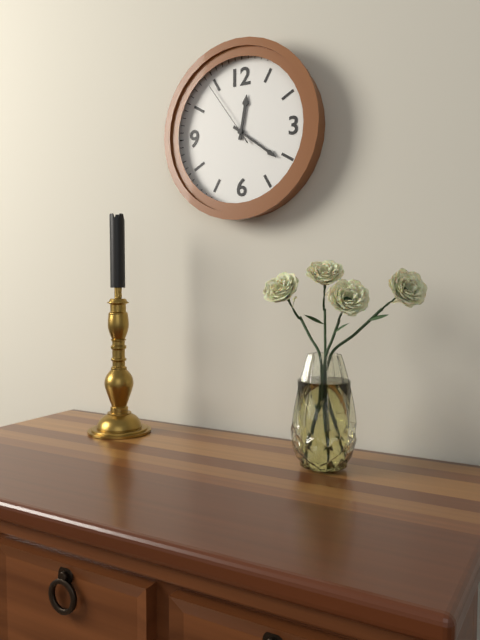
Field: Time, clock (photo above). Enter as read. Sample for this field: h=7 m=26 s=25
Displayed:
h=12 m=21 s=54
